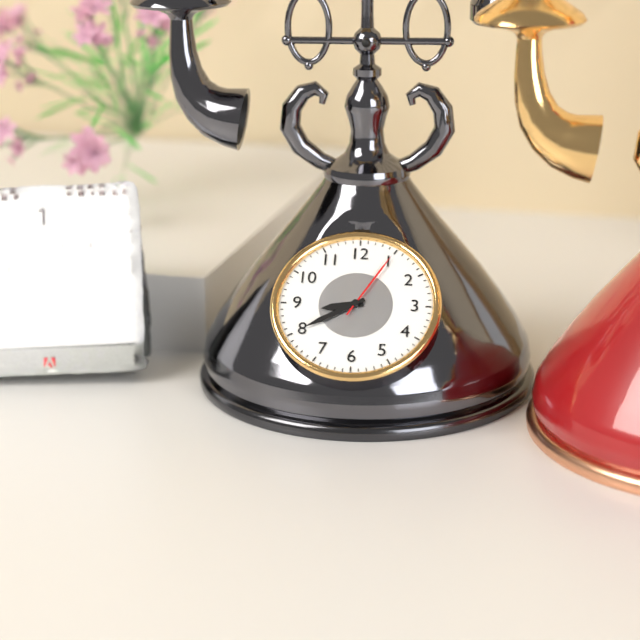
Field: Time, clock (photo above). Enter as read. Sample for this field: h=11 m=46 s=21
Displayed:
h=8 m=40 s=5
